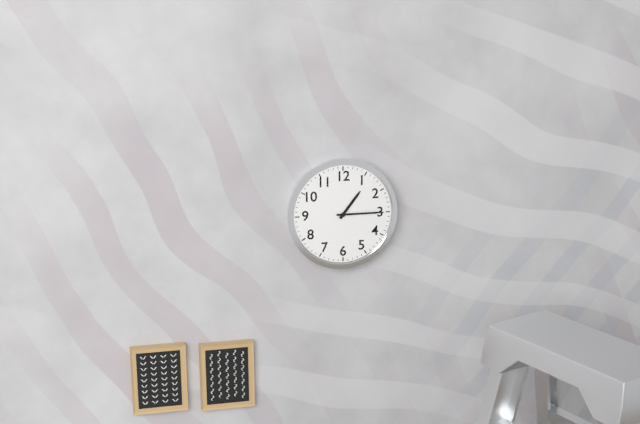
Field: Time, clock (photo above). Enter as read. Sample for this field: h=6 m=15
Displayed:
h=1 m=15
